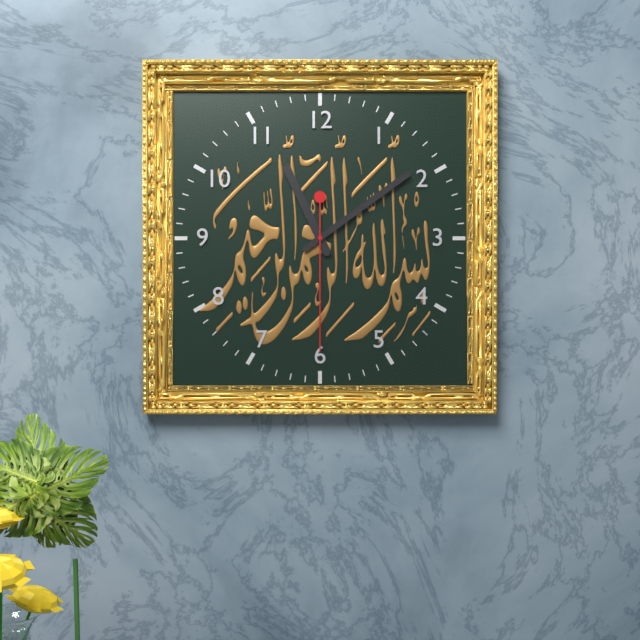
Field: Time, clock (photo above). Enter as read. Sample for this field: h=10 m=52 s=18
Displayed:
h=11 m=9 s=30
